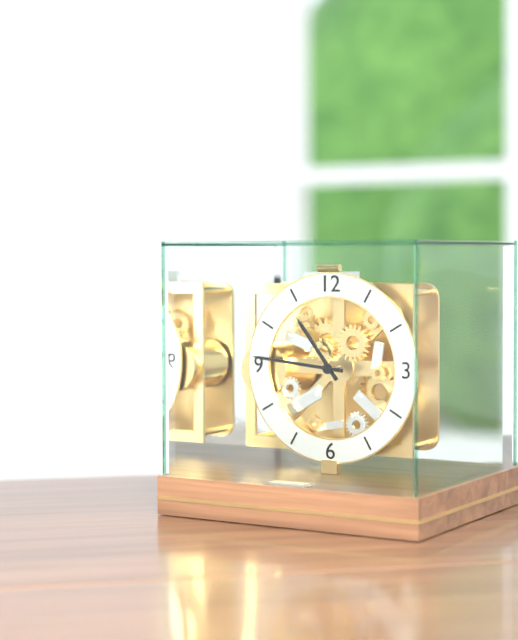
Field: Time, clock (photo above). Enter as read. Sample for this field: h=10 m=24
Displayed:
h=10 m=46
